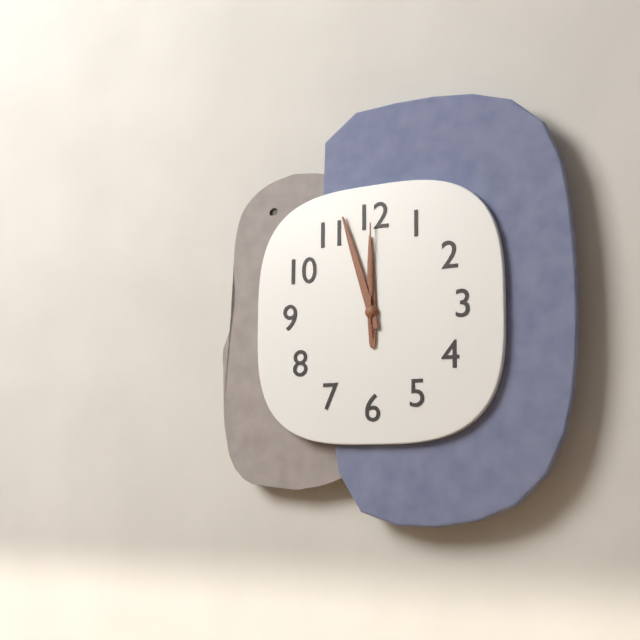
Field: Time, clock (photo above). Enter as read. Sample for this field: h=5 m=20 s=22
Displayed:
h=11 m=57 s=0
